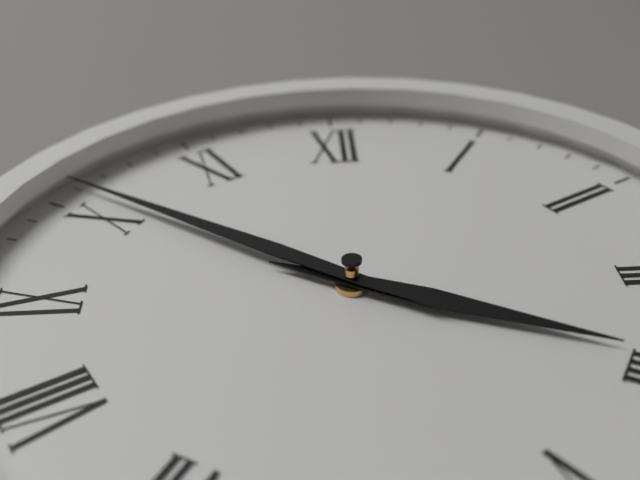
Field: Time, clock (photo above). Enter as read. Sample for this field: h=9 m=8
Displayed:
h=3 m=51
